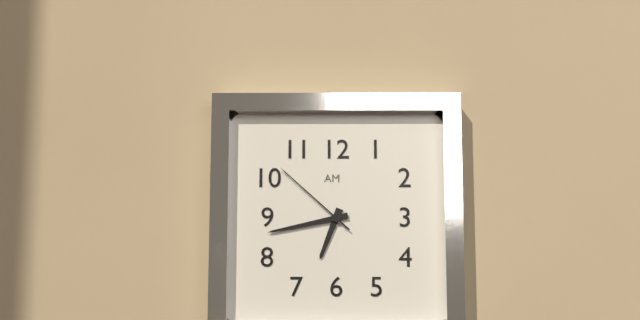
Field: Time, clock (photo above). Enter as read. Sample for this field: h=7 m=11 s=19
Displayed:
h=6 m=43 s=52
